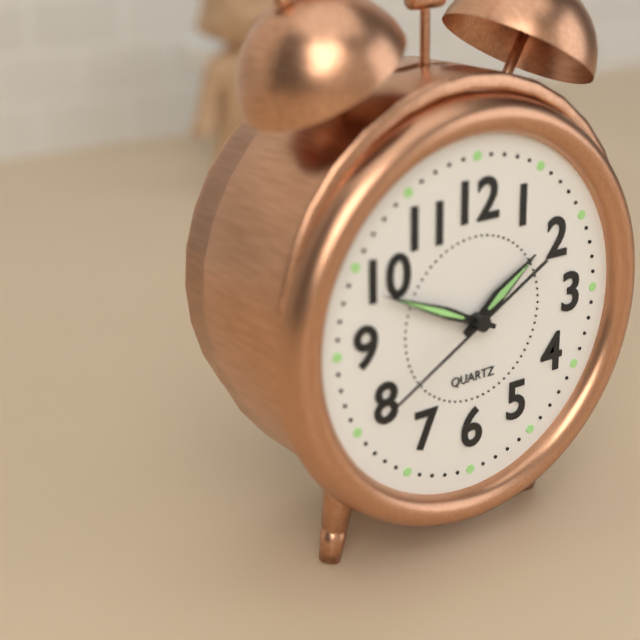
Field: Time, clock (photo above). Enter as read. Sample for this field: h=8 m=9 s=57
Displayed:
h=1 m=49 s=40
